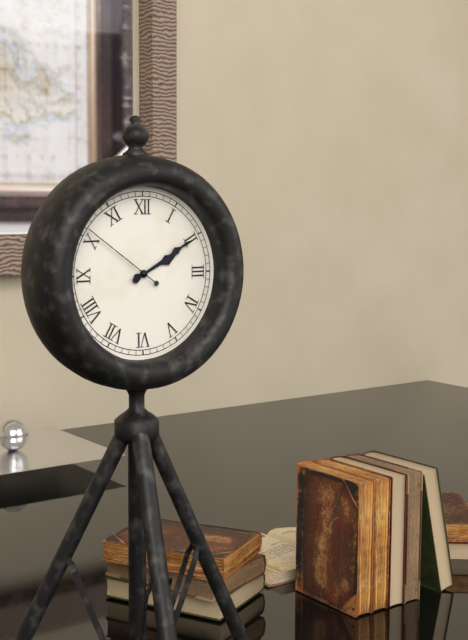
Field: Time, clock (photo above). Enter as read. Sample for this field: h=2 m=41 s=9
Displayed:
h=2 m=10 s=51
